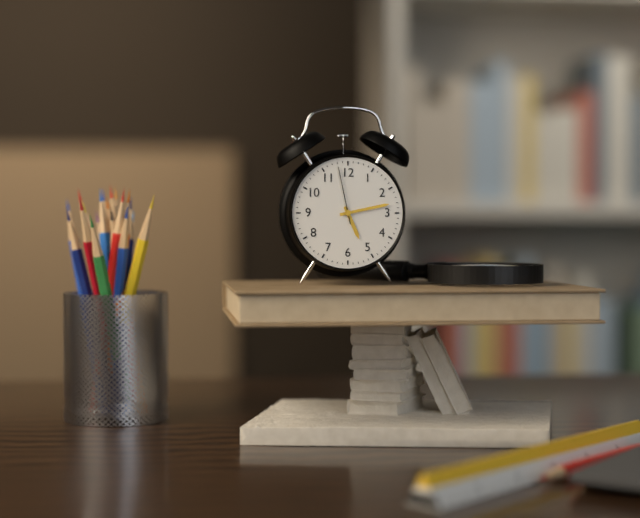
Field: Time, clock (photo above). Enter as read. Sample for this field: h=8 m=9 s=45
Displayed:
h=5 m=13 s=58
